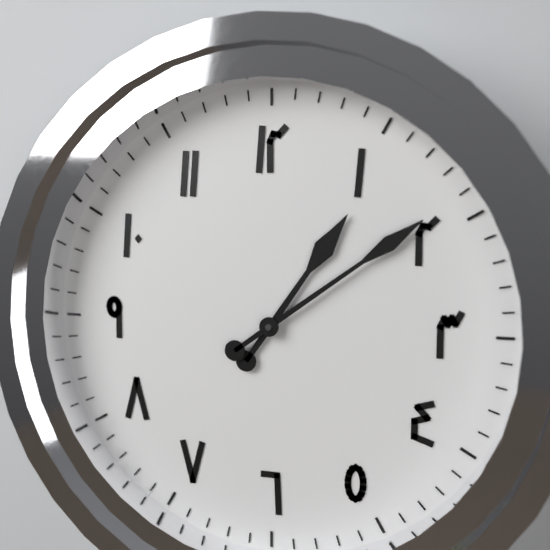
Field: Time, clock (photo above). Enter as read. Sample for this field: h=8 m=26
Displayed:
h=1 m=9
